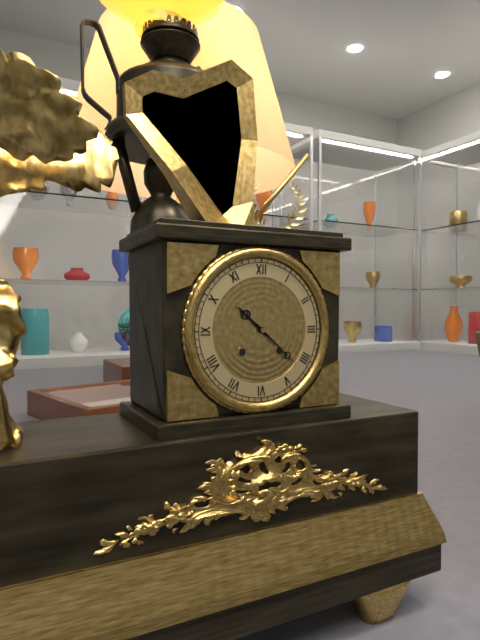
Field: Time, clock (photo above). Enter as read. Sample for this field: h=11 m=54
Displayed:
h=10 m=22
